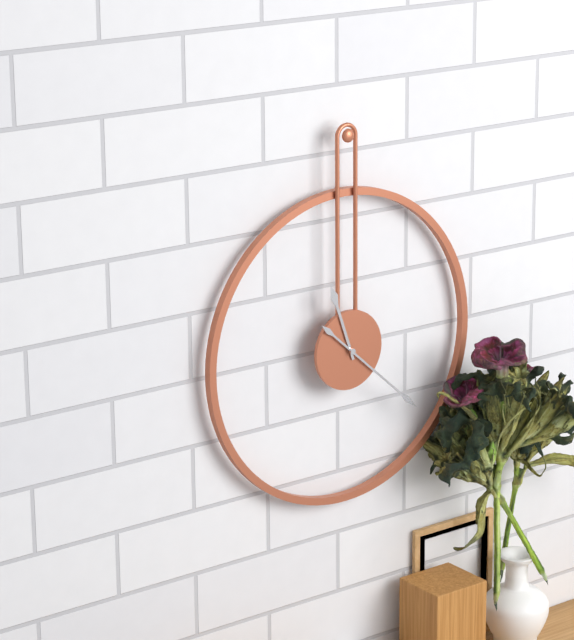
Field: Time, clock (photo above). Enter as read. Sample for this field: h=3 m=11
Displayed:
h=11 m=22
